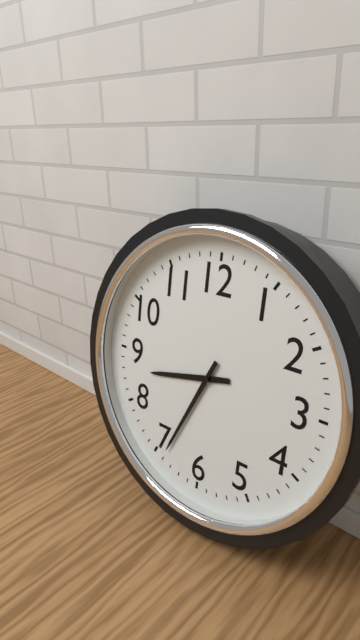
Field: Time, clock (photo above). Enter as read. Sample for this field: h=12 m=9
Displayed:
h=8 m=34
